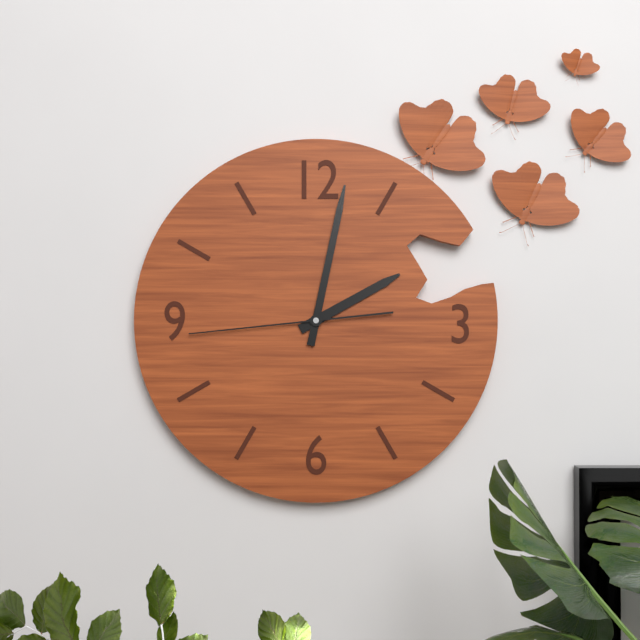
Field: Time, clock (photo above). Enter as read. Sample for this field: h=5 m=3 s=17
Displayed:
h=2 m=2 s=44
